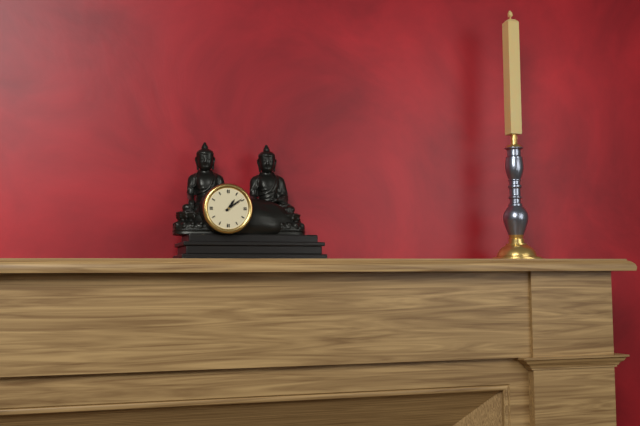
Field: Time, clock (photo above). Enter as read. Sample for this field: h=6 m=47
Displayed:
h=1 m=9
